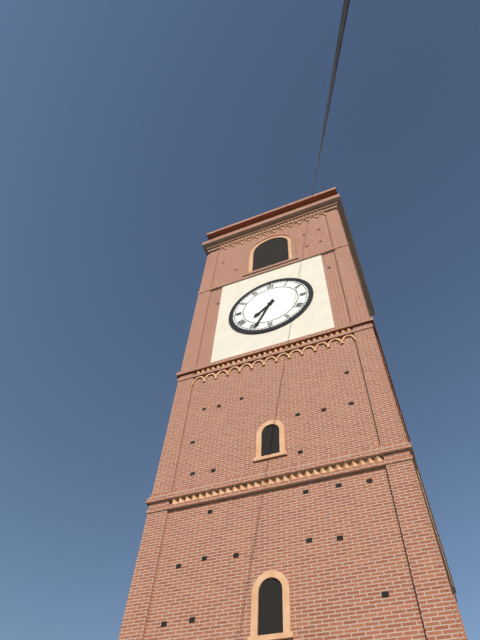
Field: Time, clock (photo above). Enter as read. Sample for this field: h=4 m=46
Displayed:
h=7 m=34
